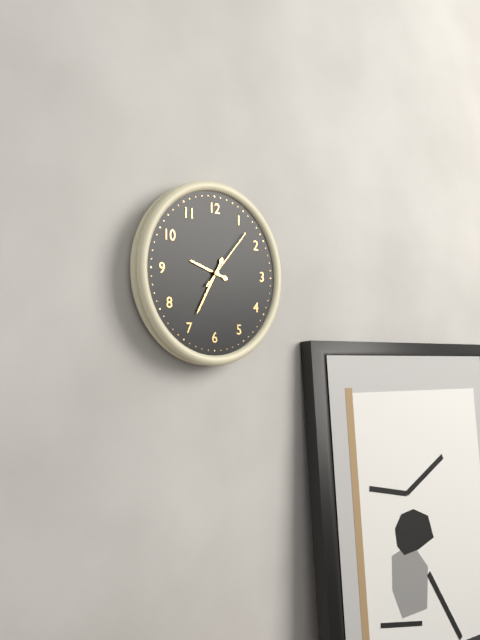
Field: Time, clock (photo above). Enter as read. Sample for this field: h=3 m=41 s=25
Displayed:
h=9 m=35 s=7
